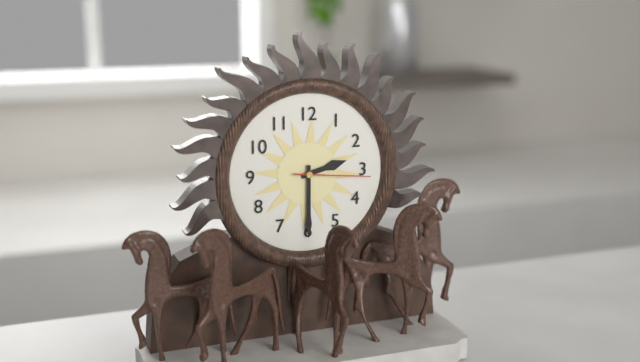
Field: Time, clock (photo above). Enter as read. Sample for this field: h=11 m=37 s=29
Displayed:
h=2 m=30 s=16
